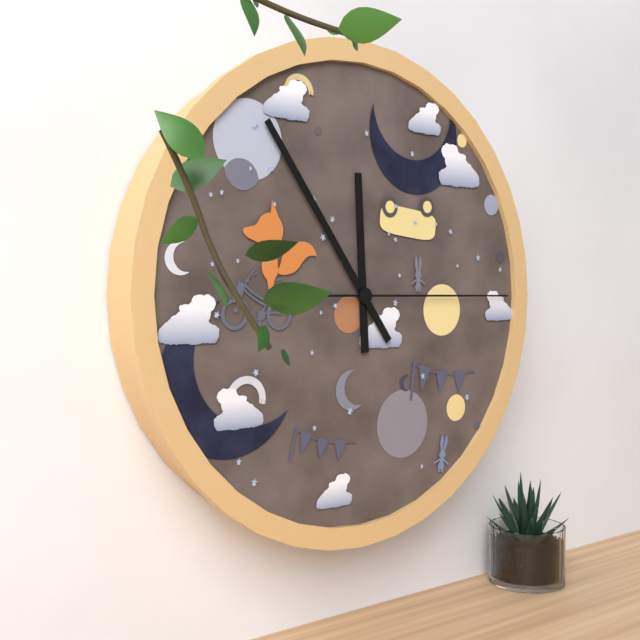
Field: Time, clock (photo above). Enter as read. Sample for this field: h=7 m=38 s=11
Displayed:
h=11 m=54 s=15
